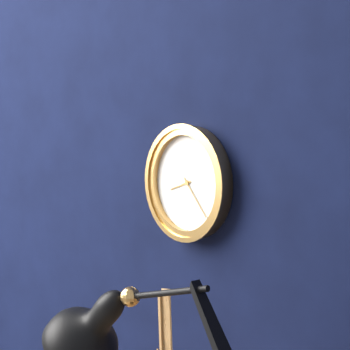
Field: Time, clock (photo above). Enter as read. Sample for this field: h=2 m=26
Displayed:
h=8 m=23
